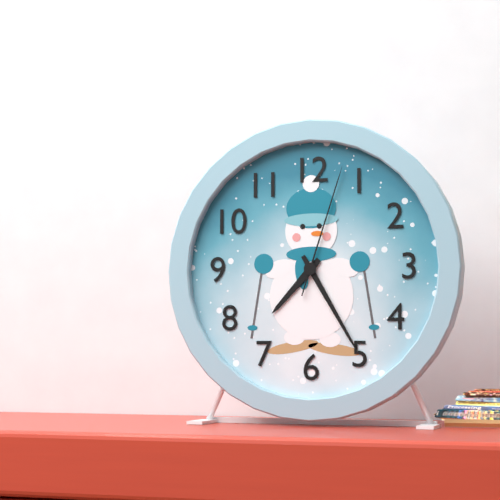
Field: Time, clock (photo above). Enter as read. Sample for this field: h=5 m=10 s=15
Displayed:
h=7 m=25 s=3
